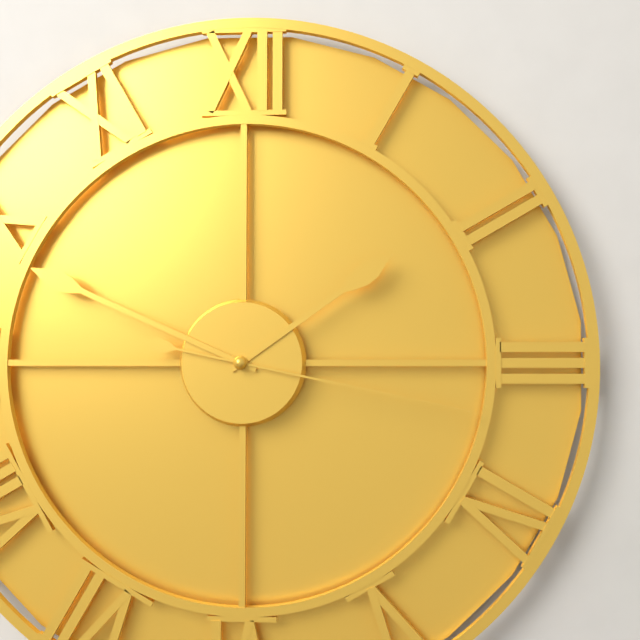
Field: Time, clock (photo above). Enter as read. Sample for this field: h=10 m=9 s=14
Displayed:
h=1 m=49 s=17
